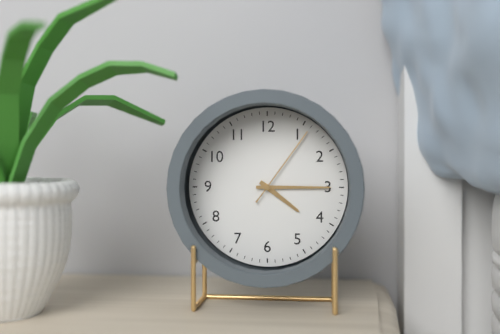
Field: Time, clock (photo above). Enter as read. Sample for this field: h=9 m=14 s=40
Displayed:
h=4 m=15 s=6
